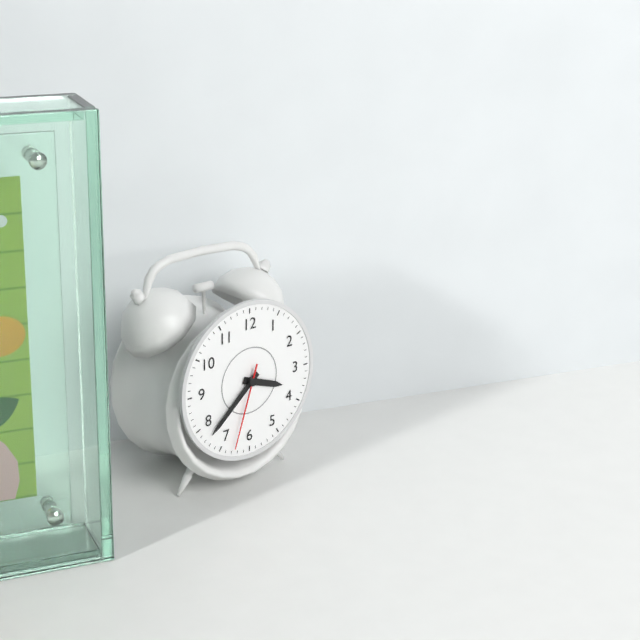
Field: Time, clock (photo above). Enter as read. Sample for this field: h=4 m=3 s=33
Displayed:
h=3 m=38 s=33
